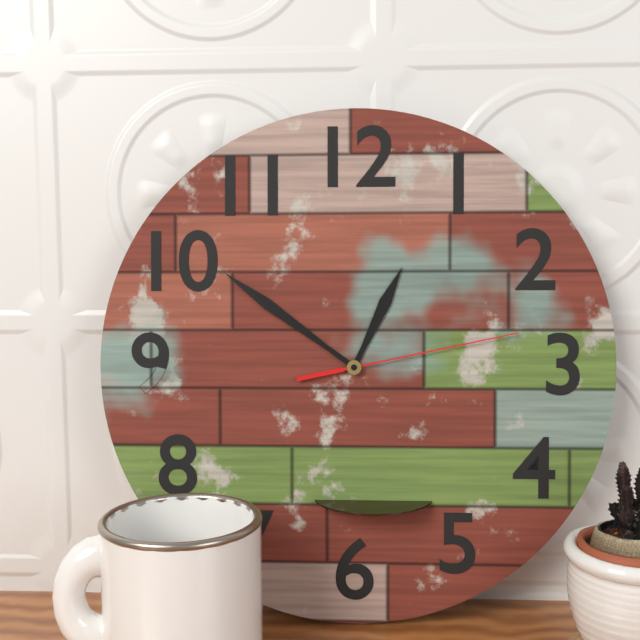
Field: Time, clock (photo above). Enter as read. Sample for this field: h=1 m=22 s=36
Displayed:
h=12 m=51 s=13
